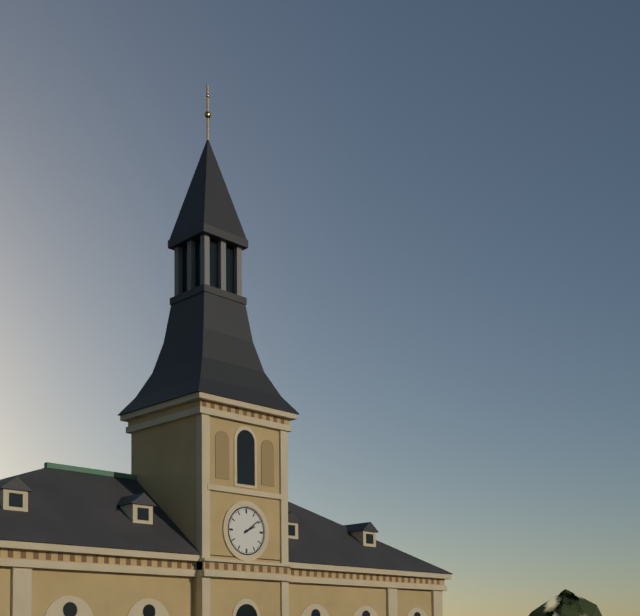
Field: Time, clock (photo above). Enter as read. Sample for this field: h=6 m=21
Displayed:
h=2 m=9
